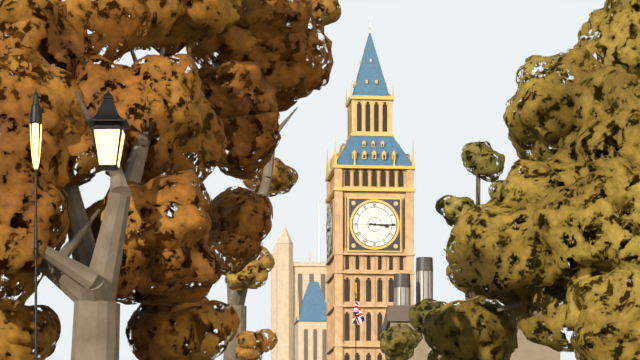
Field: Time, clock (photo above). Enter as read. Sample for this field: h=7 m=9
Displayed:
h=3 m=15
